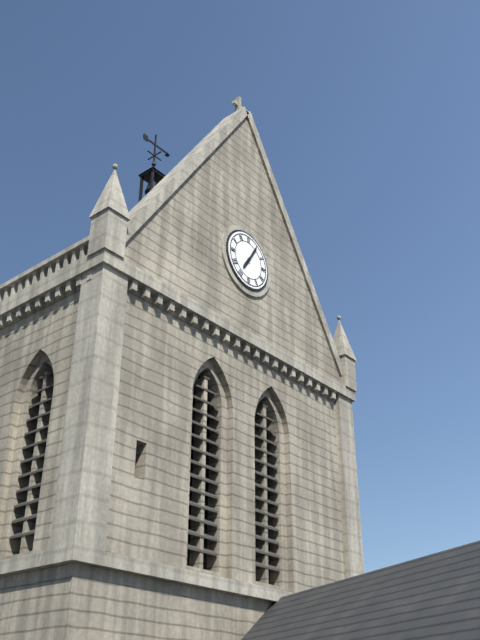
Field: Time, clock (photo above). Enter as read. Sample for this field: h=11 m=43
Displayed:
h=7 m=5
